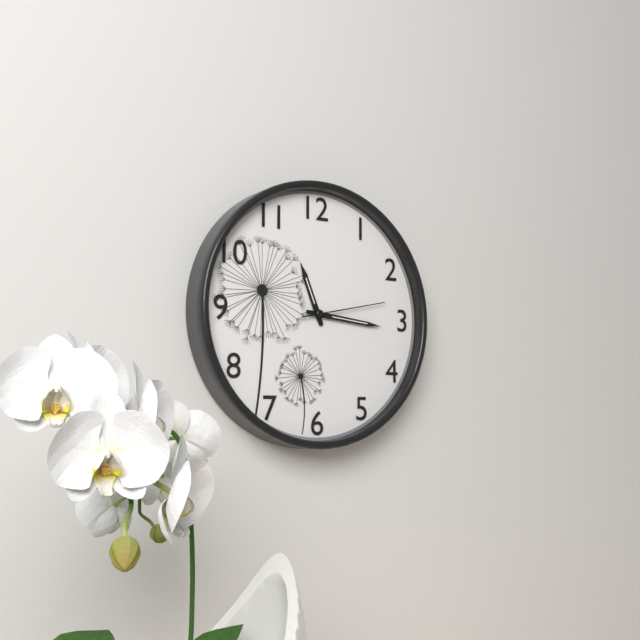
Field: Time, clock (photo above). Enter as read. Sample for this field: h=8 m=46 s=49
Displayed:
h=11 m=16 s=13
